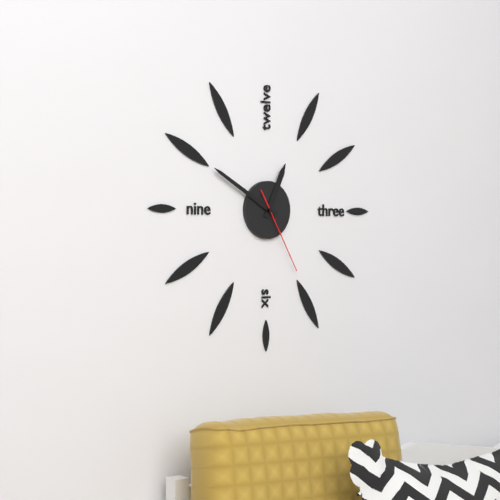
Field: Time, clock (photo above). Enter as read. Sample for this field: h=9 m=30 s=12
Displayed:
h=12 m=50 s=25
